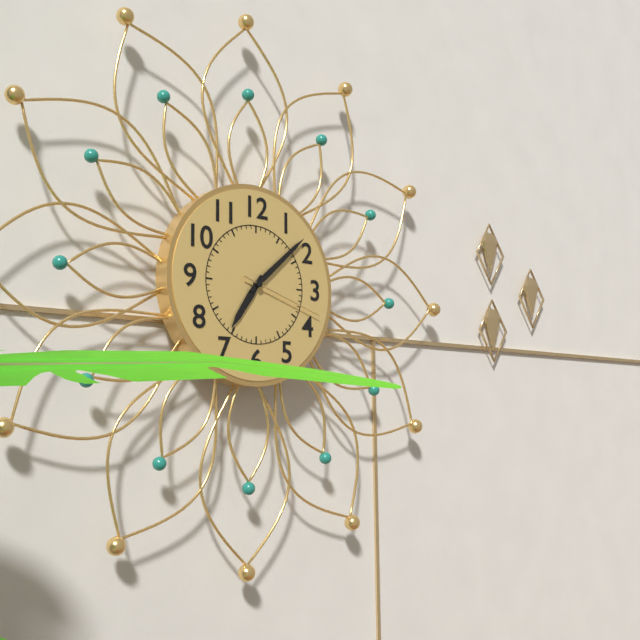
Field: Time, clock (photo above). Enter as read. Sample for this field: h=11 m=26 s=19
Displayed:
h=7 m=8 s=18
